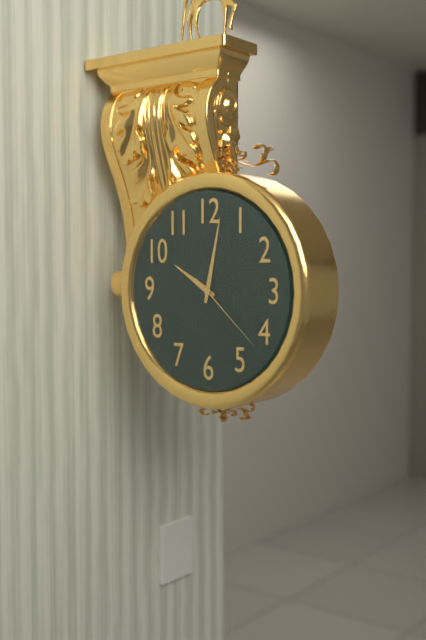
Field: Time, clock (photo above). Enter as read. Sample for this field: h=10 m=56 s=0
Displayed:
h=10 m=2 s=22
